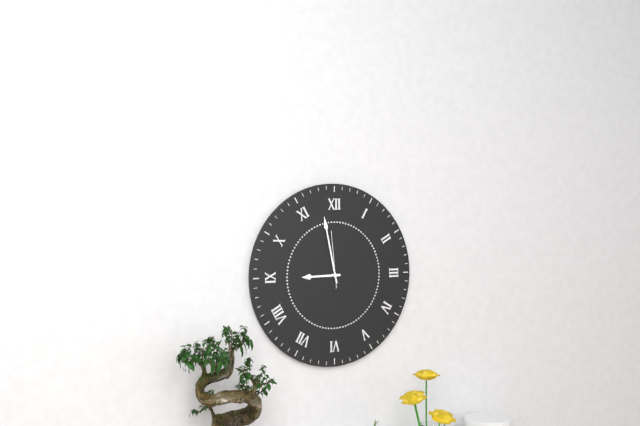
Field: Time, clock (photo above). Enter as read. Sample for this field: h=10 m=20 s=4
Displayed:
h=8 m=58 s=59
